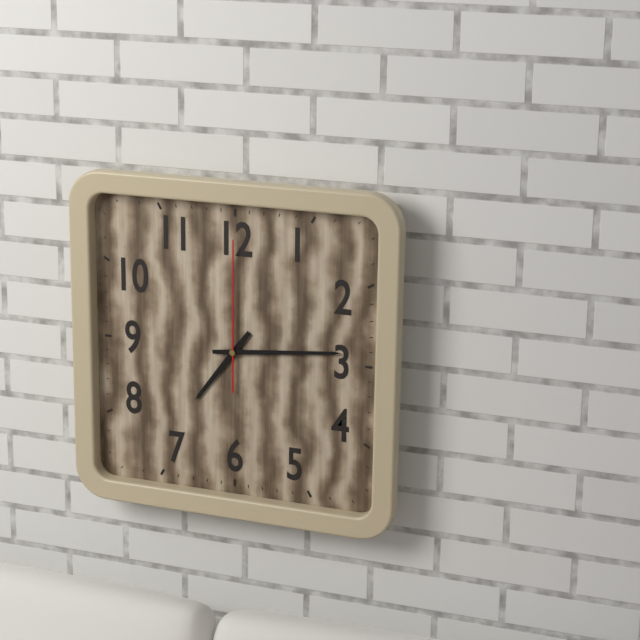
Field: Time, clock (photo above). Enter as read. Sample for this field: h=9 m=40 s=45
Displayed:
h=7 m=14 s=0
